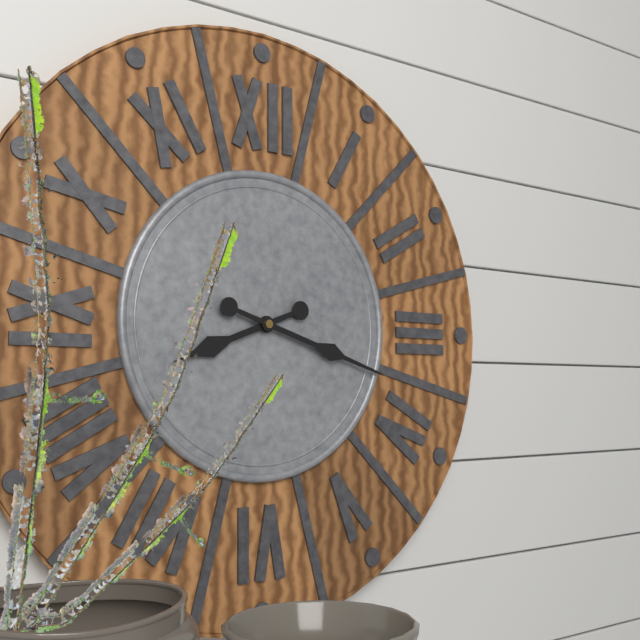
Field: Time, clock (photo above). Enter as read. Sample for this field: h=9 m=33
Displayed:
h=8 m=18
